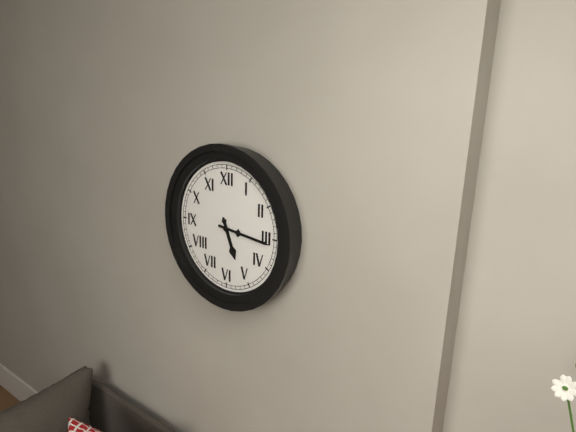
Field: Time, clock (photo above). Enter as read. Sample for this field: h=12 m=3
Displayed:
h=5 m=16
